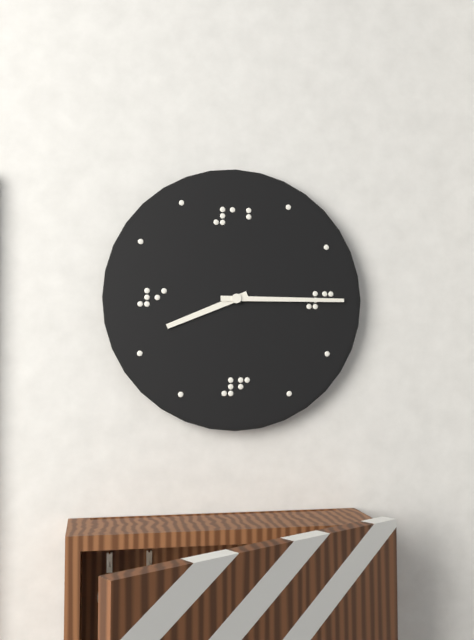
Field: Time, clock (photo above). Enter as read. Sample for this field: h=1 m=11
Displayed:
h=8 m=15
